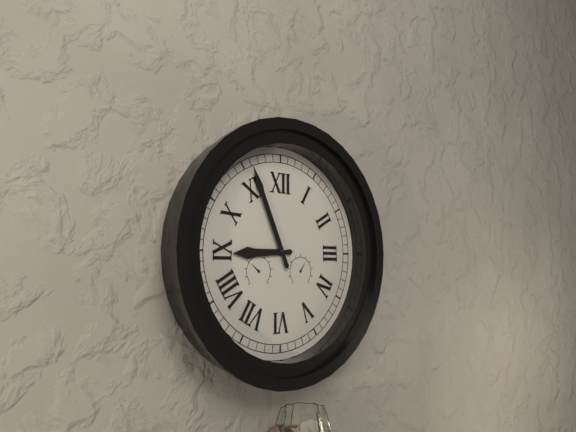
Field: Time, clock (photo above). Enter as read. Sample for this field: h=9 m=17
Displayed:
h=8 m=56
